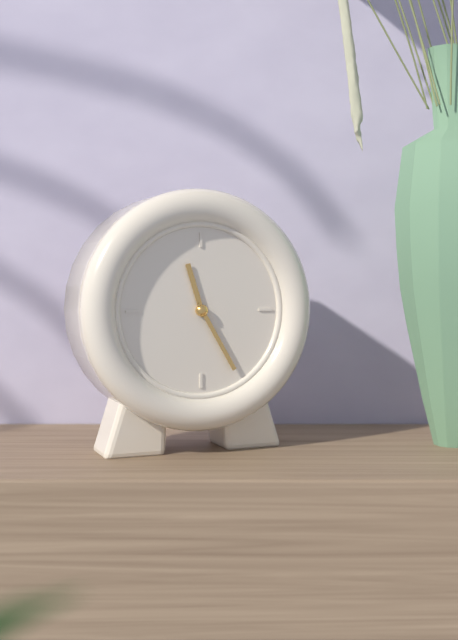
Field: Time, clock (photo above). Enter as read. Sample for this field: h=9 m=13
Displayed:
h=11 m=25
